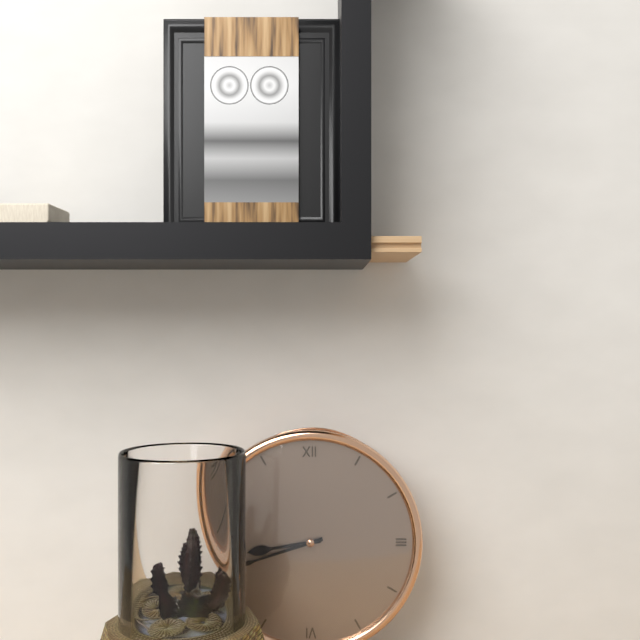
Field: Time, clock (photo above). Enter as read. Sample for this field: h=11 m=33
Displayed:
h=8 m=42
